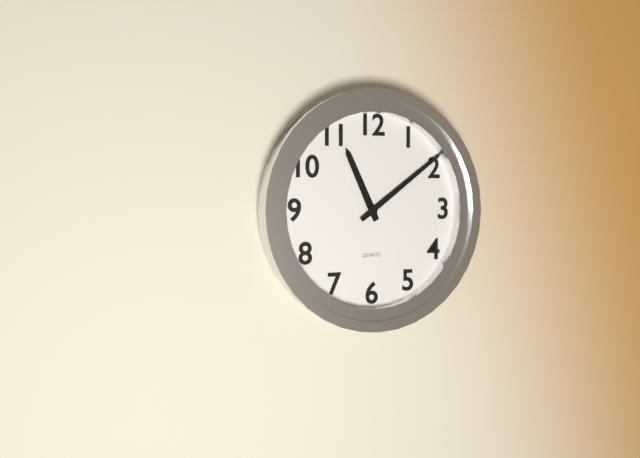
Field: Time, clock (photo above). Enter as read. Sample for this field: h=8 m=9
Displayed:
h=11 m=9
